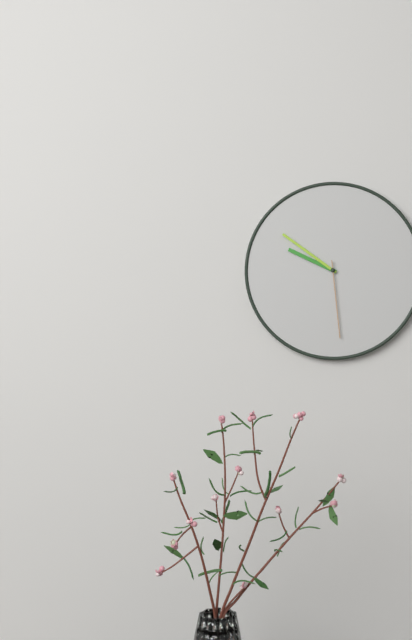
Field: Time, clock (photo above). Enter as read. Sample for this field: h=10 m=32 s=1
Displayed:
h=9 m=51 s=29
